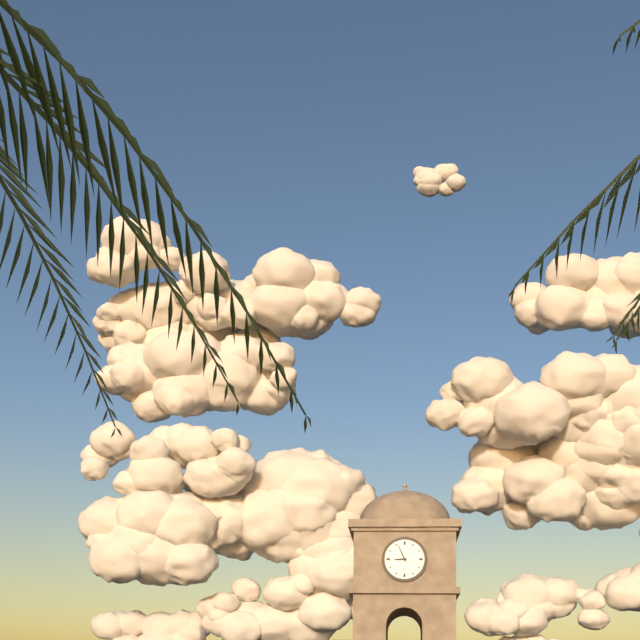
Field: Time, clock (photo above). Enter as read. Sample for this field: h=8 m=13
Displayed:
h=8 m=56
